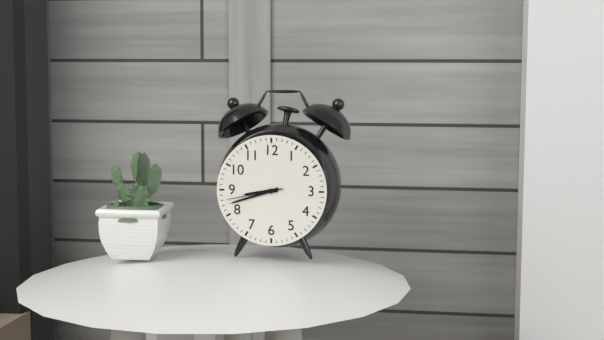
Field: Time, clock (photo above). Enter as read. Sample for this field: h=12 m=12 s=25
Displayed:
h=8 m=42 s=43
